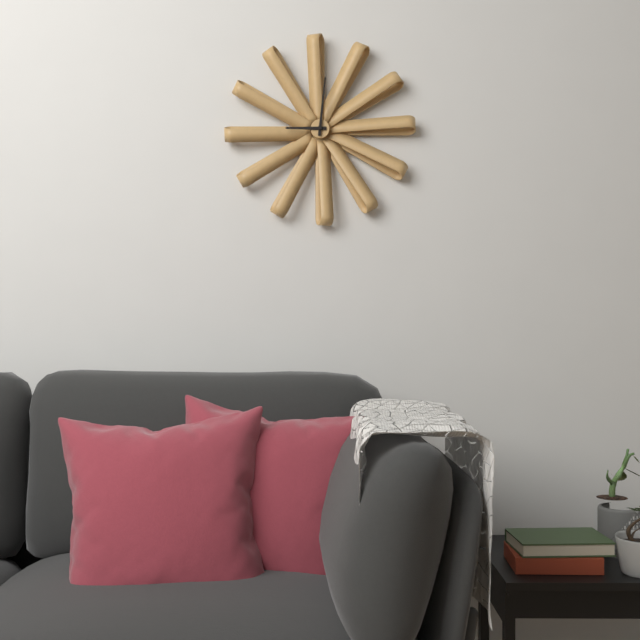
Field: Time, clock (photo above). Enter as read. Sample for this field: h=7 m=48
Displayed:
h=9 m=1
